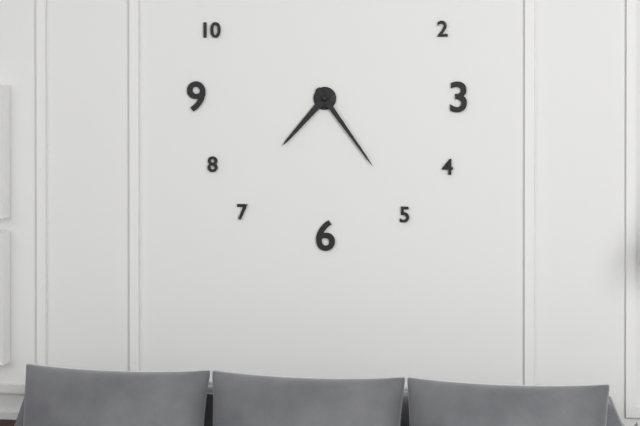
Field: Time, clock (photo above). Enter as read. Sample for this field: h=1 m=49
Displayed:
h=7 m=24
